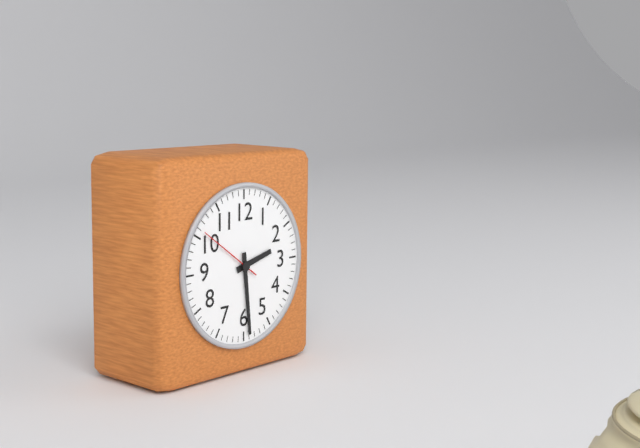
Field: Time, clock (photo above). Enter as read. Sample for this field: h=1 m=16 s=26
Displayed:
h=2 m=29 s=51
